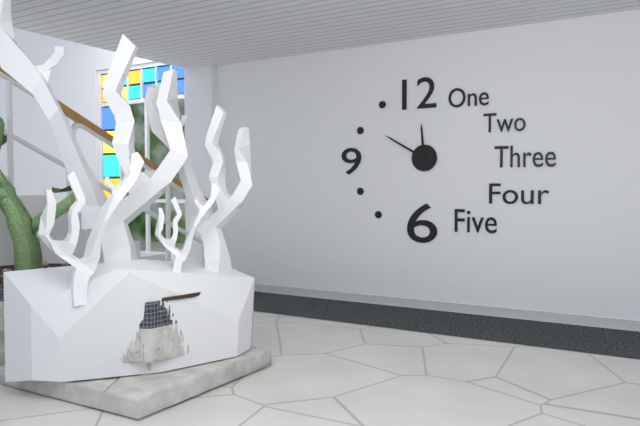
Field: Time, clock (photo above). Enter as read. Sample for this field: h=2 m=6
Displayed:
h=11 m=50
